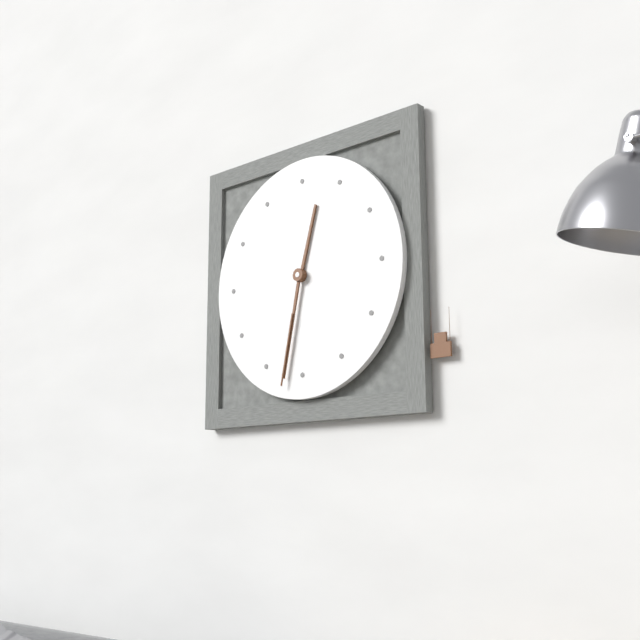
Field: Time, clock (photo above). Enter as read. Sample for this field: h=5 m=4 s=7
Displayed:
h=12 m=32 s=32
